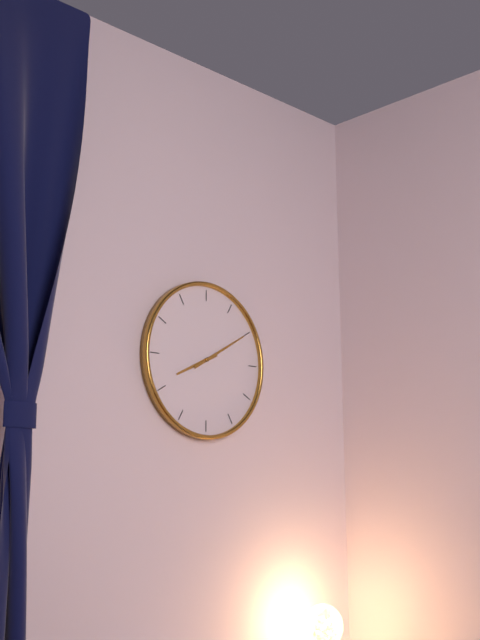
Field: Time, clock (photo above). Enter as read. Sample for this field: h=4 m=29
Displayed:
h=8 m=10
